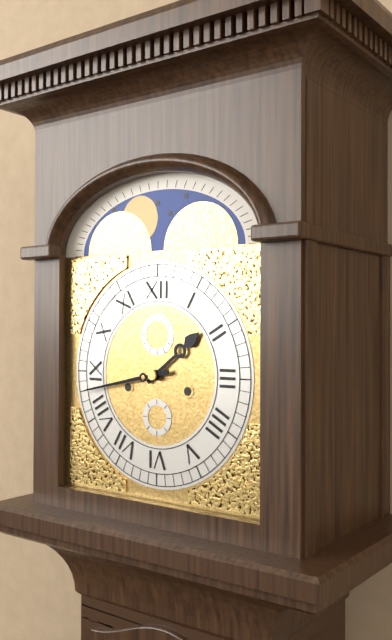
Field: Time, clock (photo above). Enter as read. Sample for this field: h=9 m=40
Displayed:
h=1 m=43
